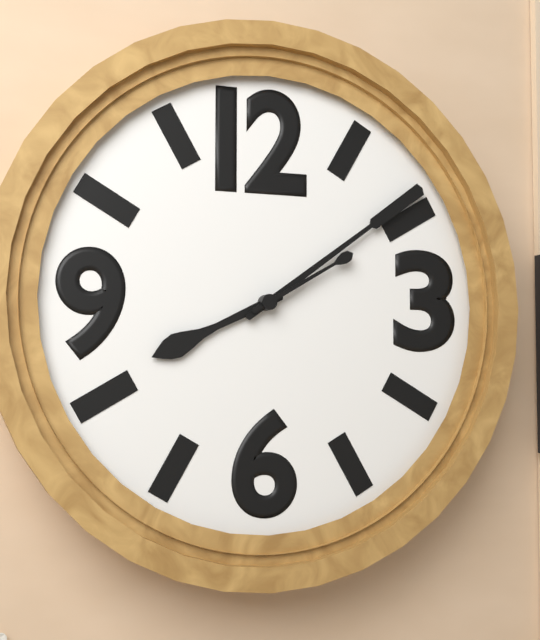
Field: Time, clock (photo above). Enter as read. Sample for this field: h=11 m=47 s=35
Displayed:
h=8 m=9 s=10
